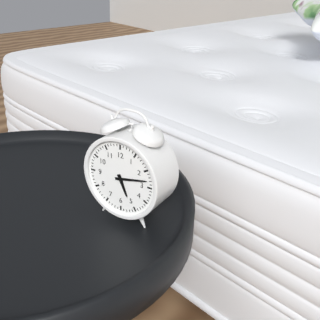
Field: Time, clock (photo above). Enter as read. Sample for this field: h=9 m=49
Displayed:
h=5 m=13
